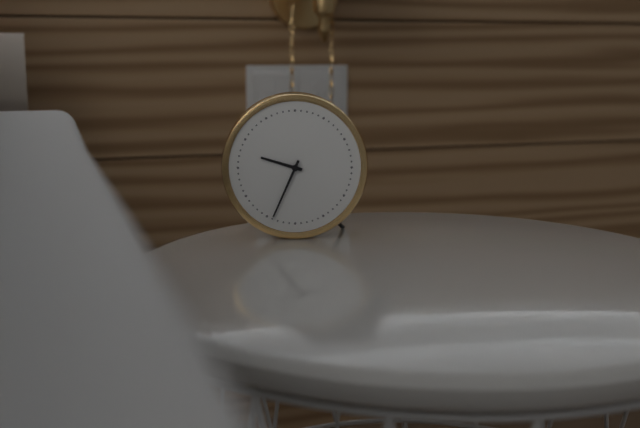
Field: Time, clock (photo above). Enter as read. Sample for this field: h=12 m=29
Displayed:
h=9 m=34
